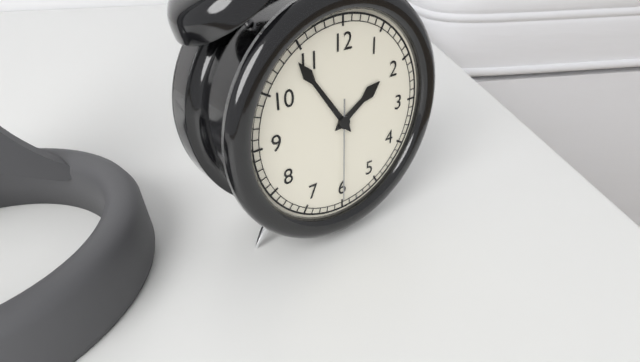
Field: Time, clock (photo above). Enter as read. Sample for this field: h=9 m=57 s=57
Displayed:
h=1 m=54 s=30
